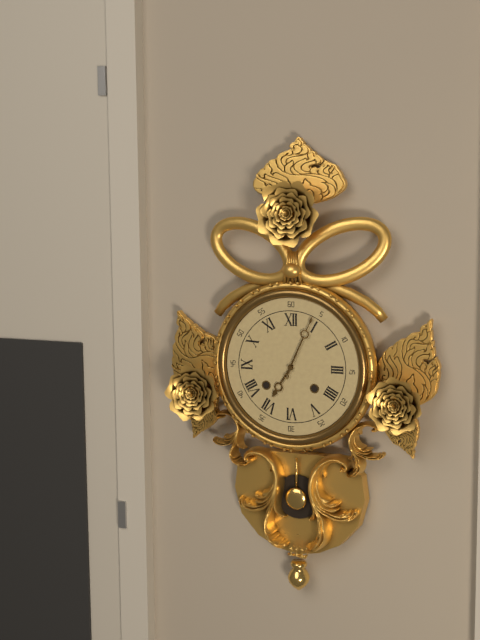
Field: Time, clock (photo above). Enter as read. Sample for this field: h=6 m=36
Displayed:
h=7 m=4
